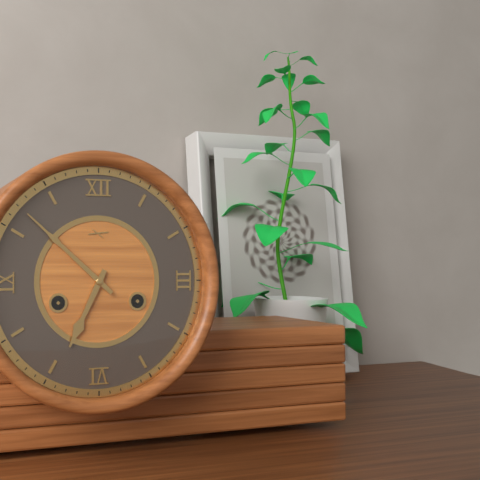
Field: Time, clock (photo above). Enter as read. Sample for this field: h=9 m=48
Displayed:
h=6 m=52
